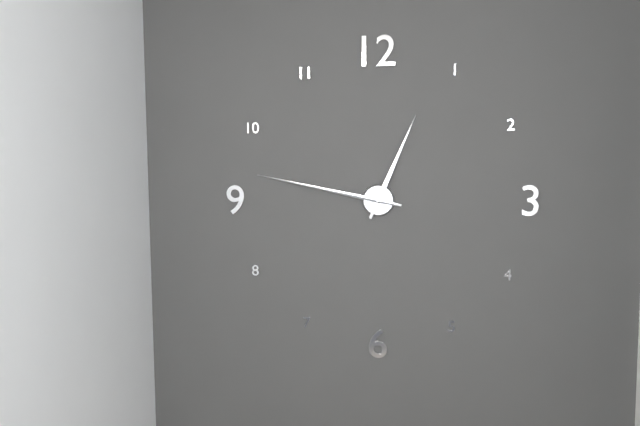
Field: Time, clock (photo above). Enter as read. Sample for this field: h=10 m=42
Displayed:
h=12 m=47
